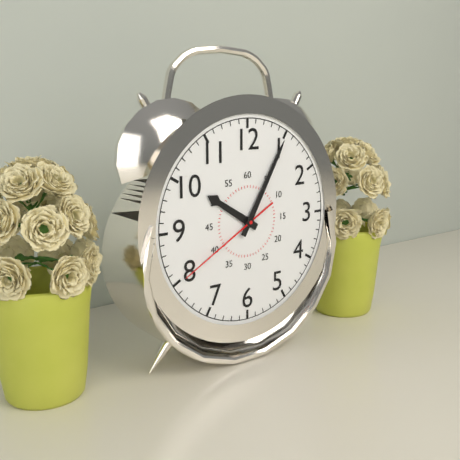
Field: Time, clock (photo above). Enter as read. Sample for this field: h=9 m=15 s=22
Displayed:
h=10 m=5 s=40
